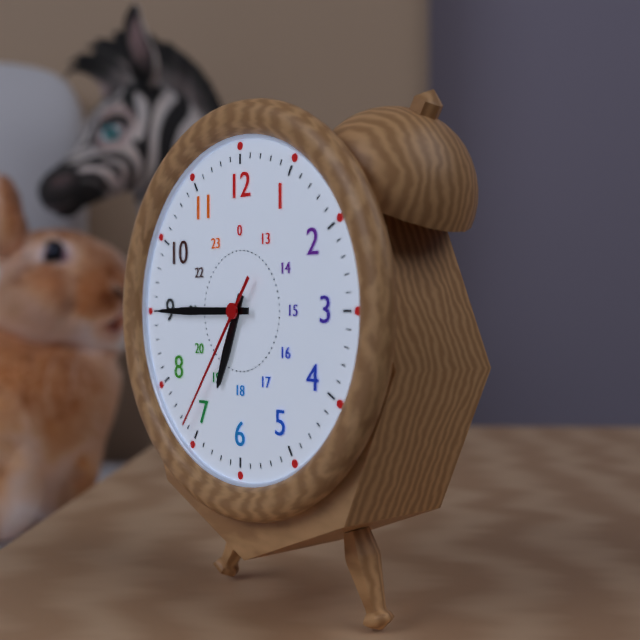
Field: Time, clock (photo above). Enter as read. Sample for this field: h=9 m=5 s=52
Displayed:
h=6 m=45 s=36
